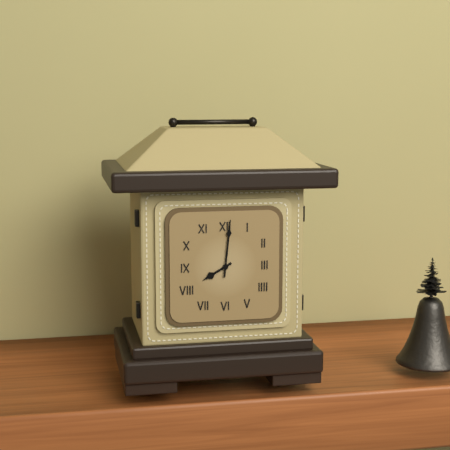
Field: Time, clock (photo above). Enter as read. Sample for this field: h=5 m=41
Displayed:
h=8 m=1
